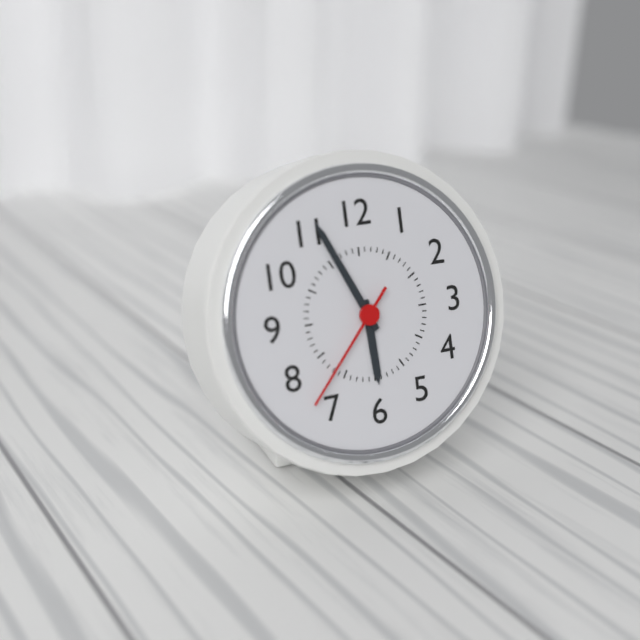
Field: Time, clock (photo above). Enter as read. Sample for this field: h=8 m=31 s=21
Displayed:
h=5 m=56 s=37
